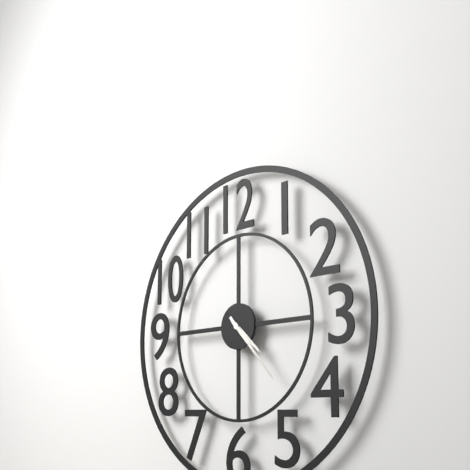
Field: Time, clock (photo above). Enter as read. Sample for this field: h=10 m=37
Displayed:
h=4 m=23
